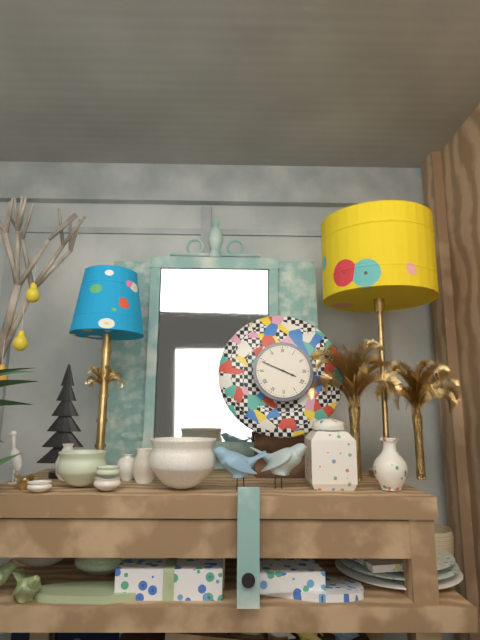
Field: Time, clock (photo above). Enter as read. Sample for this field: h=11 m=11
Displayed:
h=3 m=49
